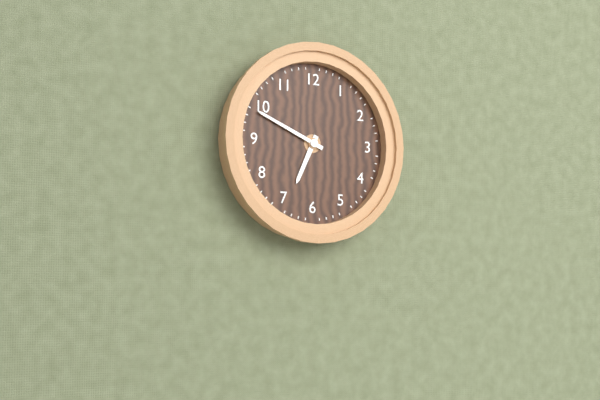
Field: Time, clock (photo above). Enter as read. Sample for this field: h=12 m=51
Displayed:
h=6 m=49
